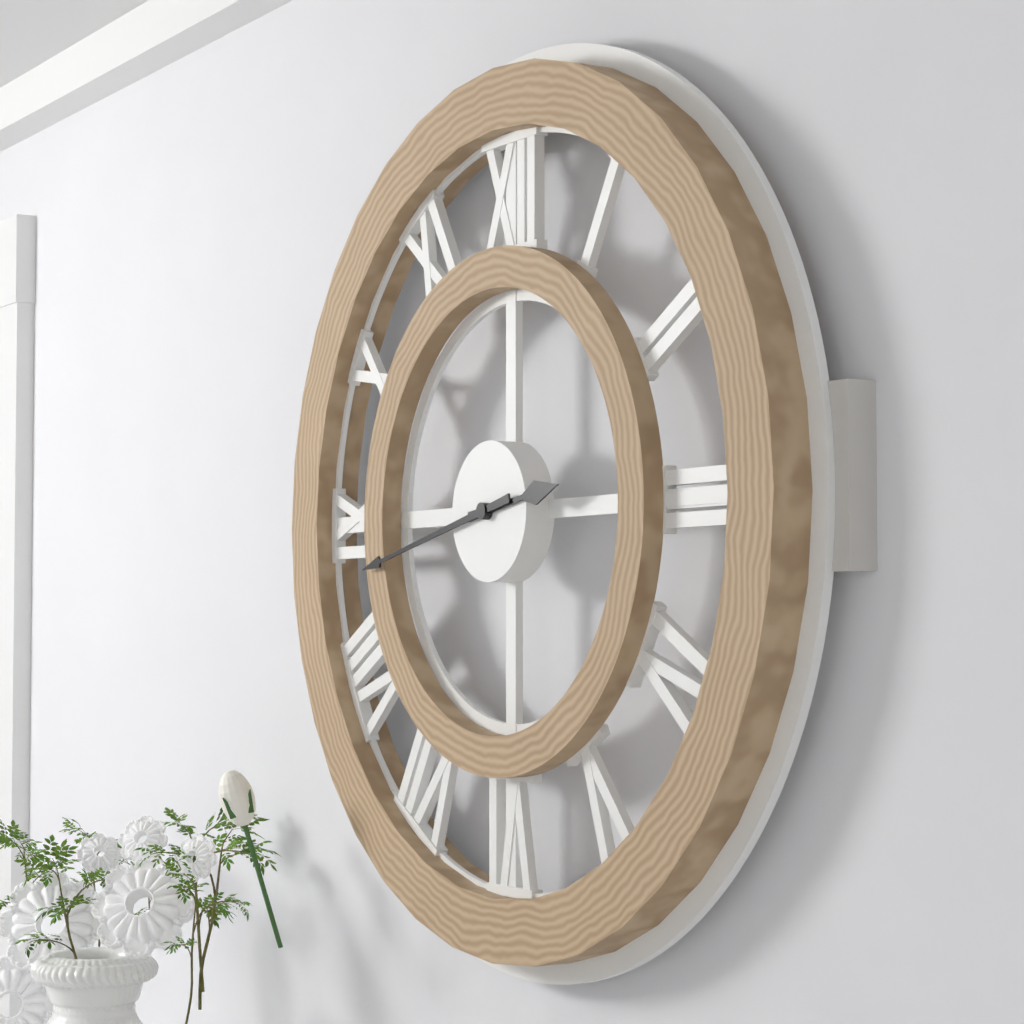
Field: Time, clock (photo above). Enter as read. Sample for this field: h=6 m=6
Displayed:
h=2 m=43
